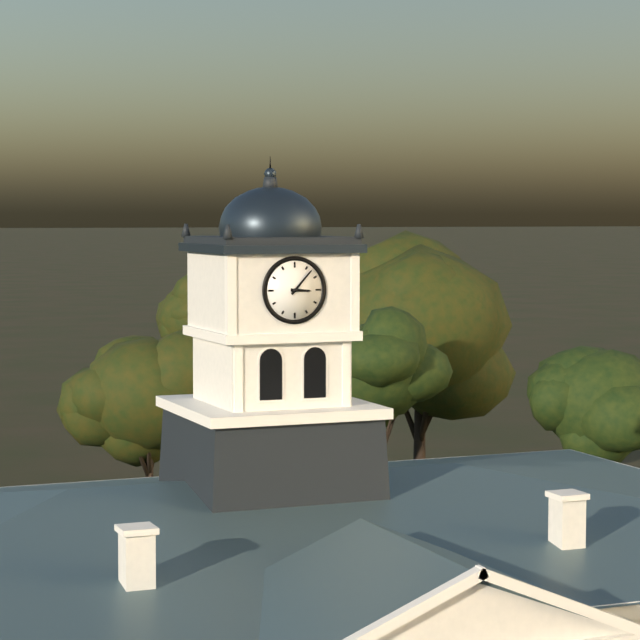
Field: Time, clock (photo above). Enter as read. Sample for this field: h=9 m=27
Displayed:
h=3 m=7
